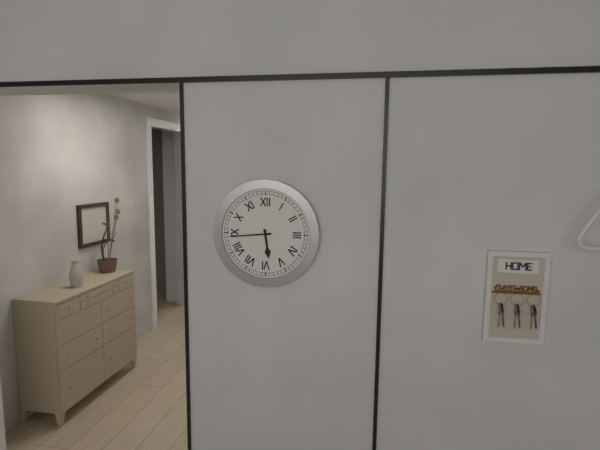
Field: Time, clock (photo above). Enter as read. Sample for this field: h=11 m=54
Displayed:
h=5 m=44
